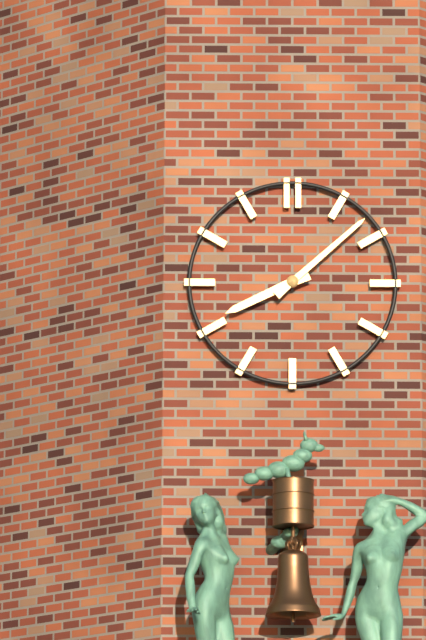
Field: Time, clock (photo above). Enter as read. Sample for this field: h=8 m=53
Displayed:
h=8 m=8
